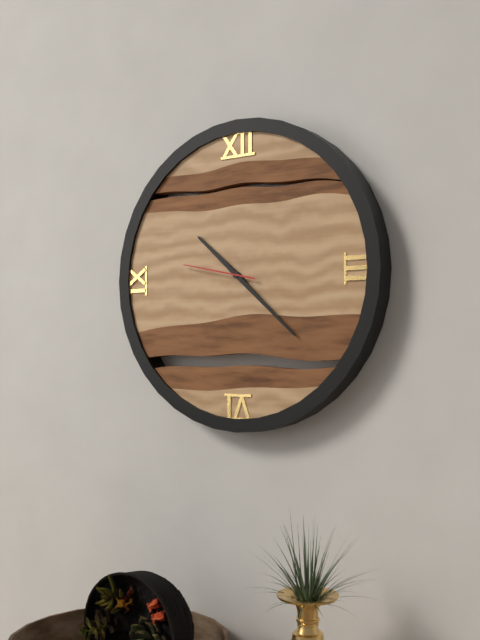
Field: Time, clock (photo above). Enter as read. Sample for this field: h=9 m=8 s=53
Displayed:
h=10 m=22 s=47
